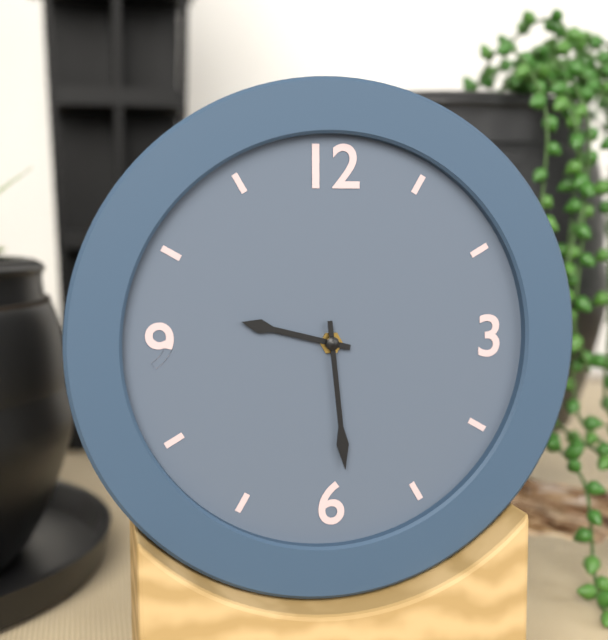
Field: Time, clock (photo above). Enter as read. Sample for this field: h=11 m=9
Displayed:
h=9 m=29
